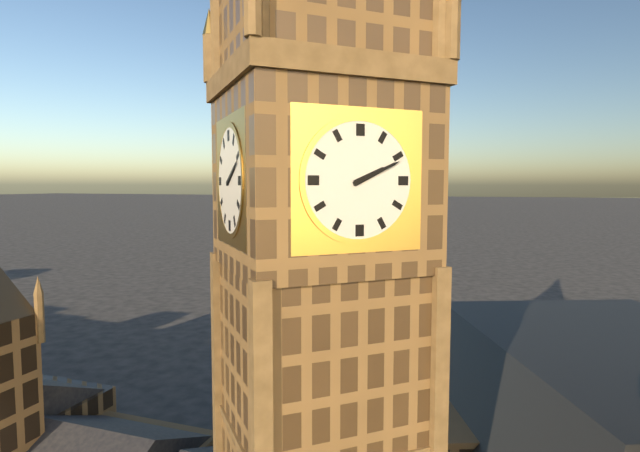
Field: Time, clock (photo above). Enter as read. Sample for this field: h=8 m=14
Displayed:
h=2 m=11
